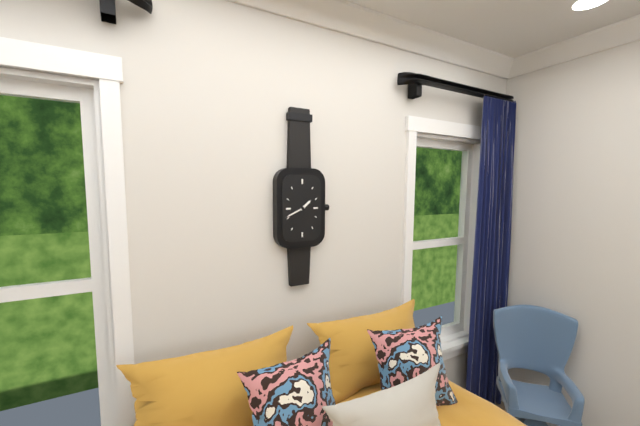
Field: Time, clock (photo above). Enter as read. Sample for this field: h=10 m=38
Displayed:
h=1 m=41
